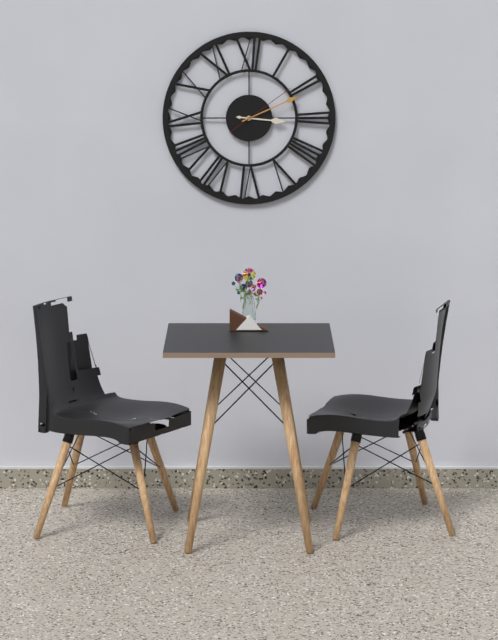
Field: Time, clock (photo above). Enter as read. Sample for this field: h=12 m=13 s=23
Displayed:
h=3 m=11 s=9
